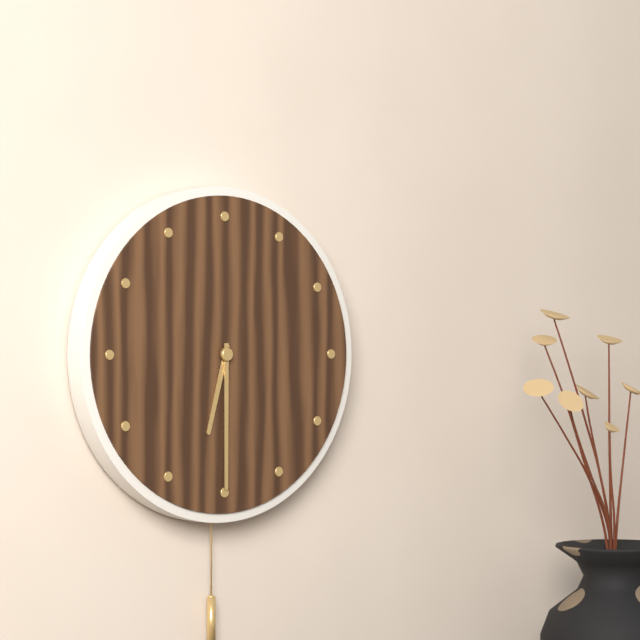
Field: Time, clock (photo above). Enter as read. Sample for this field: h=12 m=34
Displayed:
h=6 m=30
